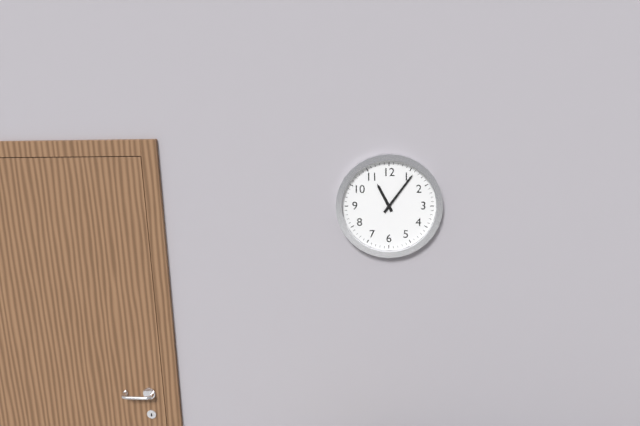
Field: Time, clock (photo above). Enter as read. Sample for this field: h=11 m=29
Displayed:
h=11 m=6
